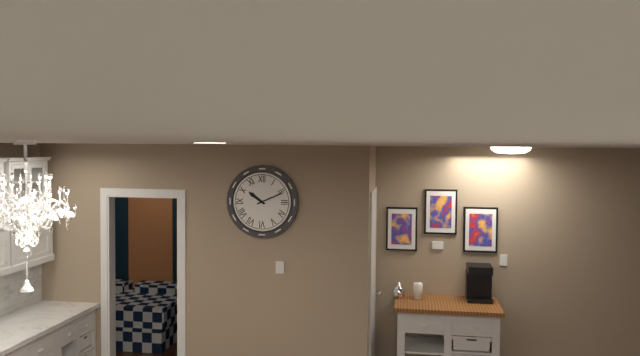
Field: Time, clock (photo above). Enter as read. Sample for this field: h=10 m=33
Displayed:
h=10 m=11
